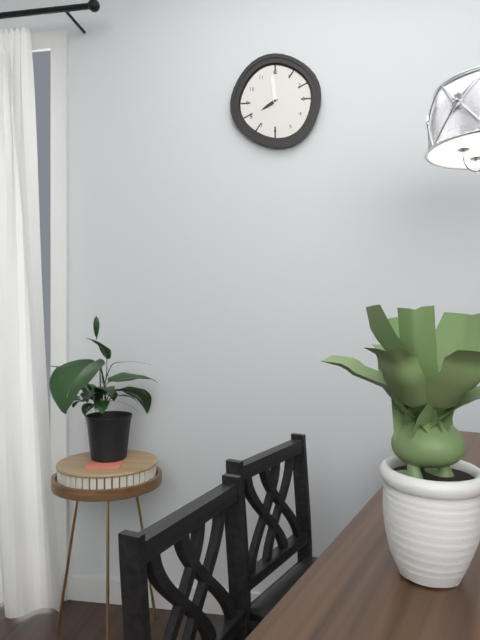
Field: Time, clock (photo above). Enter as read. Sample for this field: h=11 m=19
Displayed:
h=7 m=59
